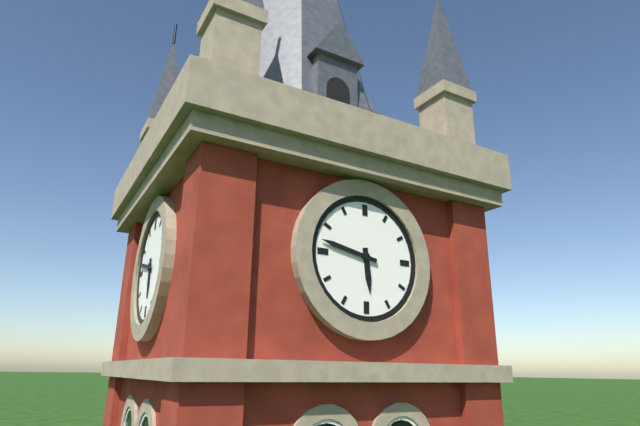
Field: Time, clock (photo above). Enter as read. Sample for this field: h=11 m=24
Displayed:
h=5 m=47
